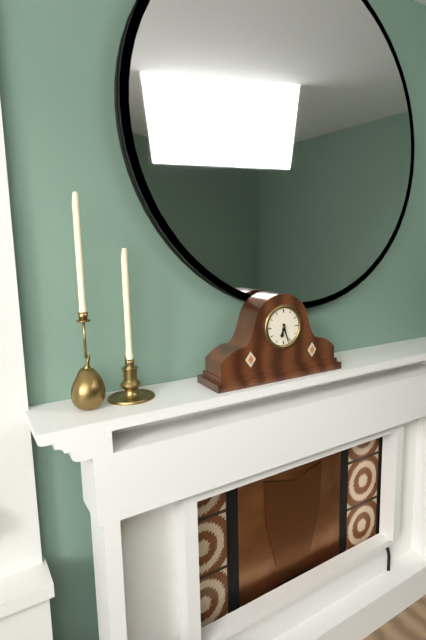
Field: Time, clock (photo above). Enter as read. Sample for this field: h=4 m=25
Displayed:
h=6 m=27
